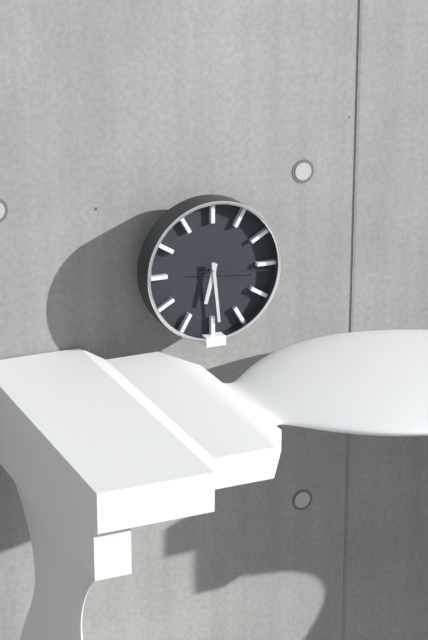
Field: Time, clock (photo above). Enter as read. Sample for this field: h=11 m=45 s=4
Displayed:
h=6 m=29 s=16
